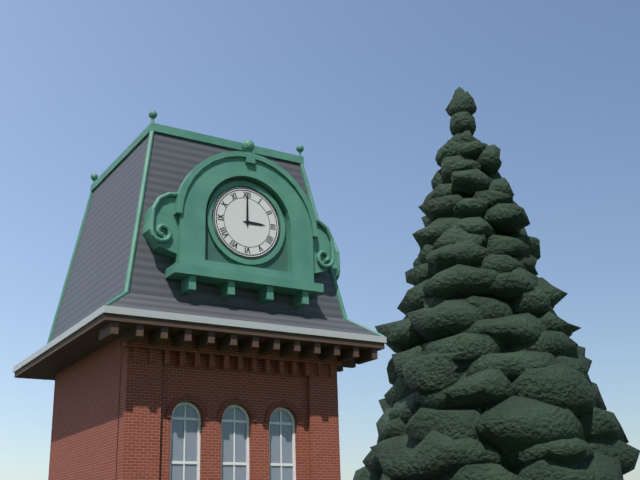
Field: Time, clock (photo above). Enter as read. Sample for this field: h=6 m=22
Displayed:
h=3 m=0
